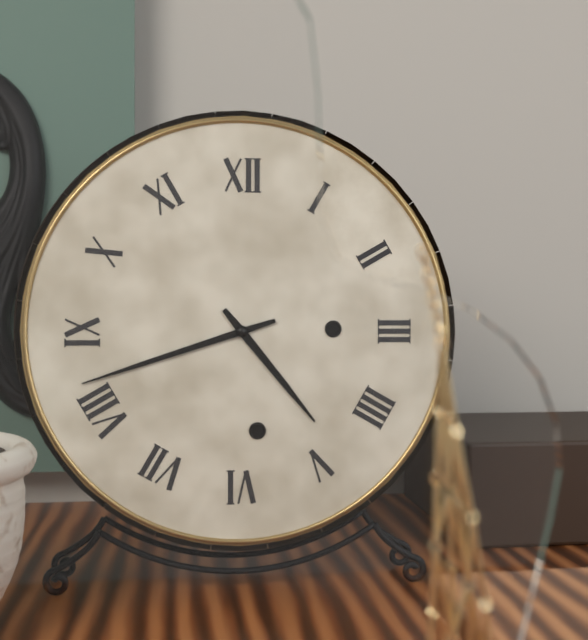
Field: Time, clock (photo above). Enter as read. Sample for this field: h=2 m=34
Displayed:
h=4 m=42
